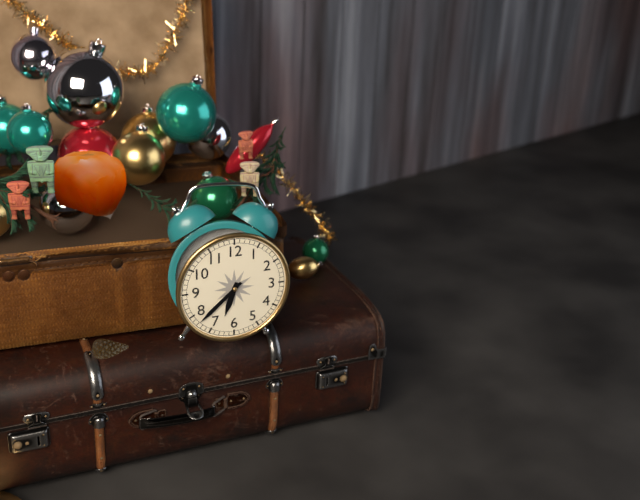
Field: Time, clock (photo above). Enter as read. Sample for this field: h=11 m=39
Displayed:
h=6 m=38
